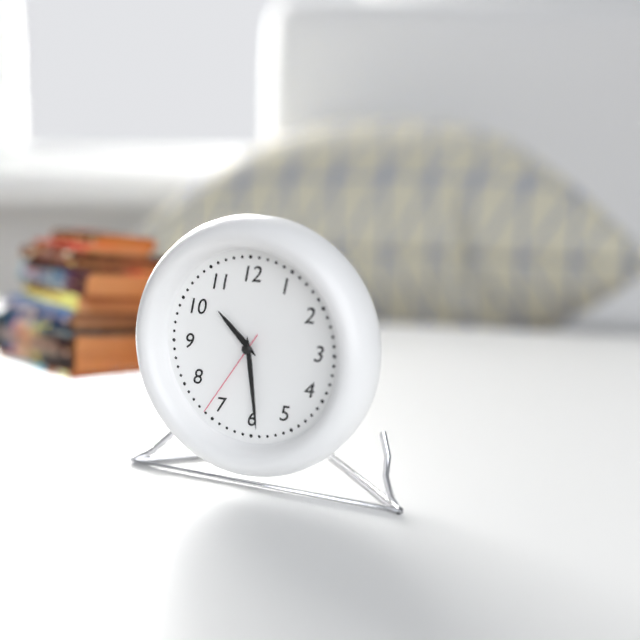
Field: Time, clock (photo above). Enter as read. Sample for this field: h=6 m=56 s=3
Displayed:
h=10 m=29 s=36
